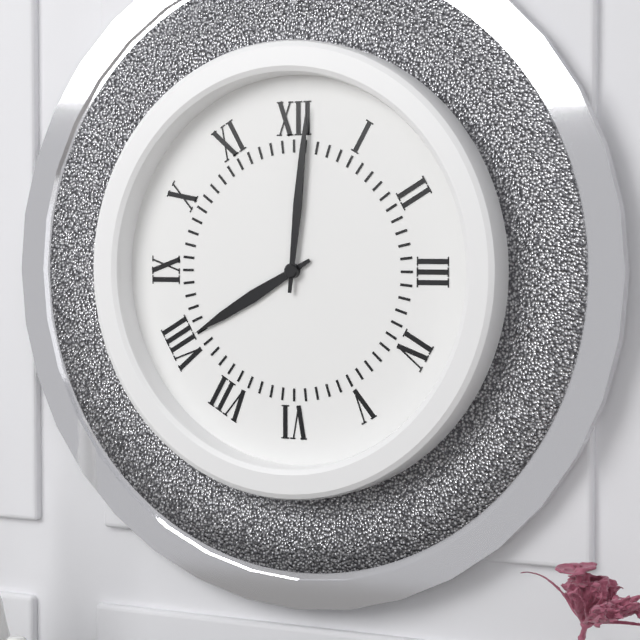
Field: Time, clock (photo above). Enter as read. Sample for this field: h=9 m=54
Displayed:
h=8 m=1
